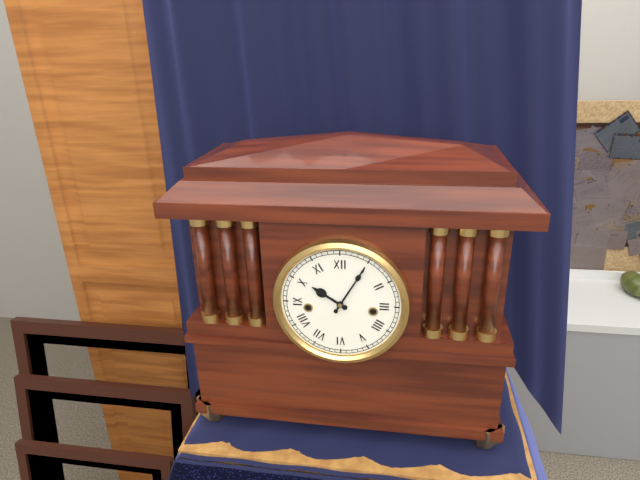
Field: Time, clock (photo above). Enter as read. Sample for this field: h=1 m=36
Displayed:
h=10 m=5
